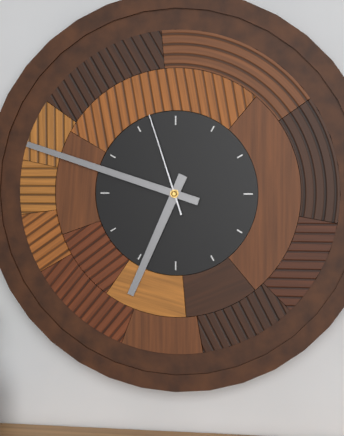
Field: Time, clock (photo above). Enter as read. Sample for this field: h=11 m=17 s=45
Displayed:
h=6 m=48 s=57
